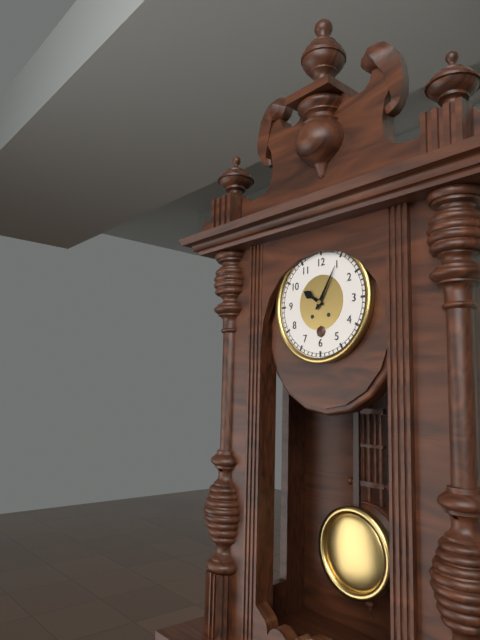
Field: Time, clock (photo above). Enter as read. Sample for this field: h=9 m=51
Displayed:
h=10 m=5
